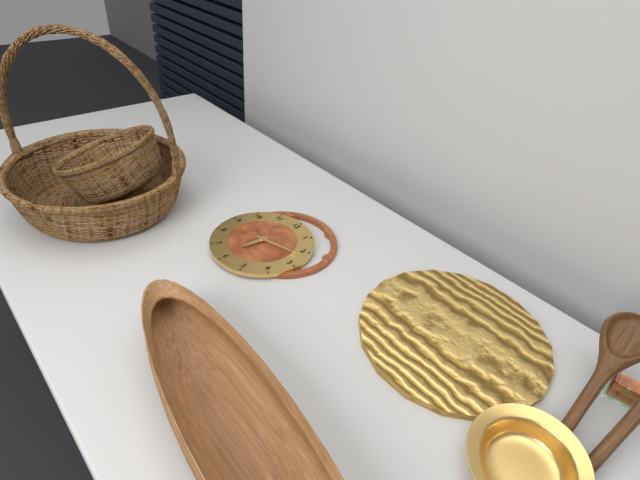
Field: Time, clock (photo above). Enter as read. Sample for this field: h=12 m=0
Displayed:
h=6 m=12
